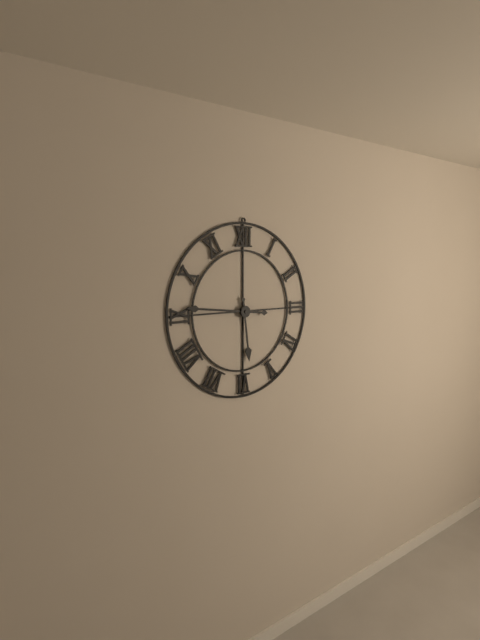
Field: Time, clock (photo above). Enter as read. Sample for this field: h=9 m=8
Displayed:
h=5 m=46
